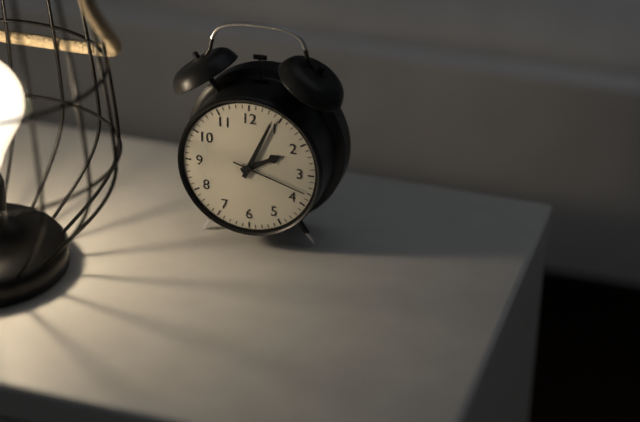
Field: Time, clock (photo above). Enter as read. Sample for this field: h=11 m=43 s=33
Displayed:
h=2 m=4 s=18
